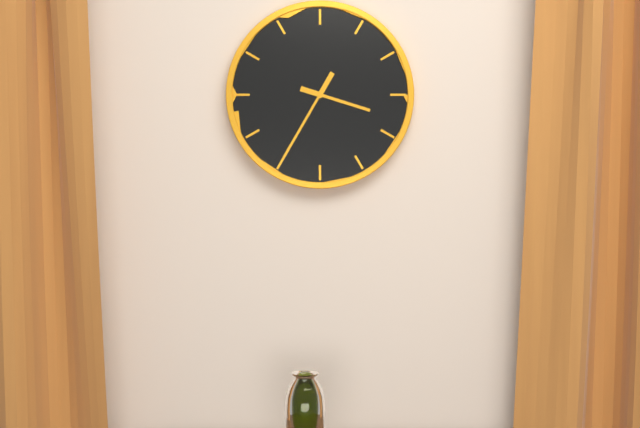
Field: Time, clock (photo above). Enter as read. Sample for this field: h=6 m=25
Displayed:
h=3 m=35
